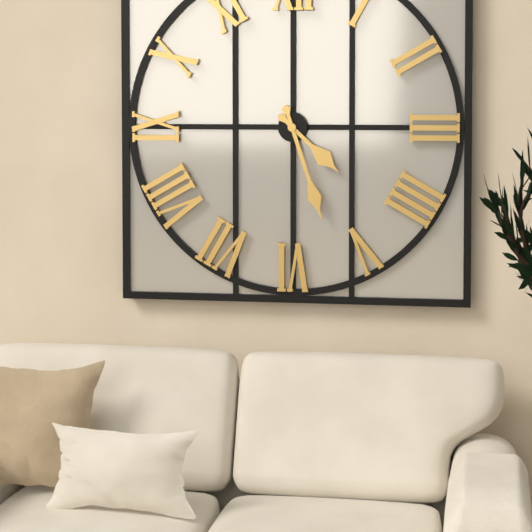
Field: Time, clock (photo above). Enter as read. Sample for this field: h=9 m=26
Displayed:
h=4 m=27
